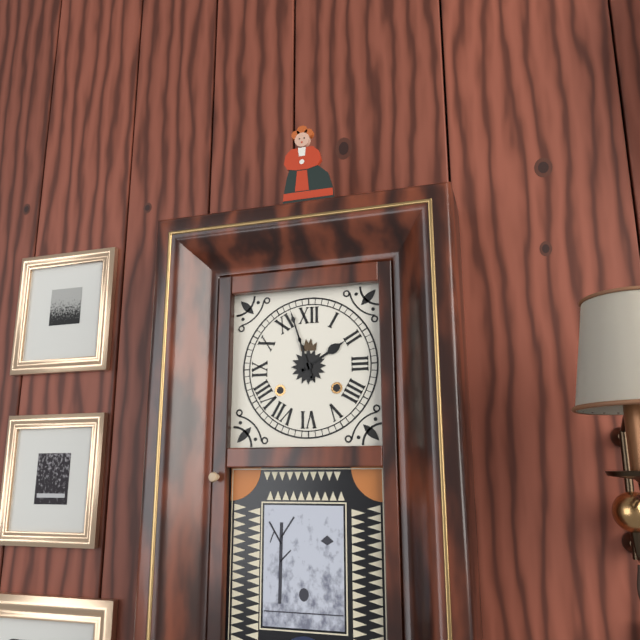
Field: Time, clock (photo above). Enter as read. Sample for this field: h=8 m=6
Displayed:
h=1 m=57
